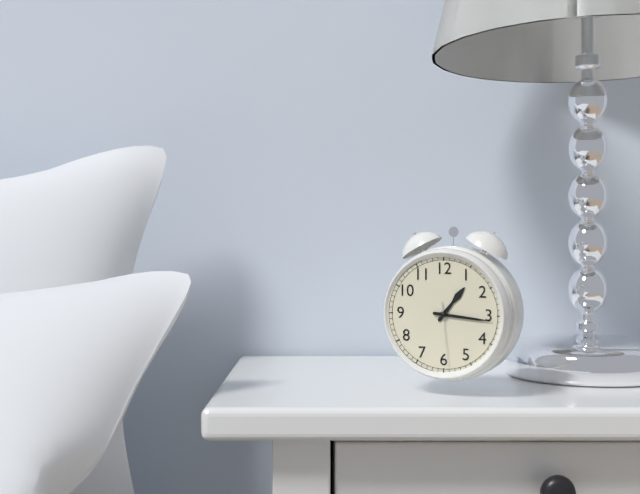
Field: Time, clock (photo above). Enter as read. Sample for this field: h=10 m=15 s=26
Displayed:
h=1 m=16 s=29
